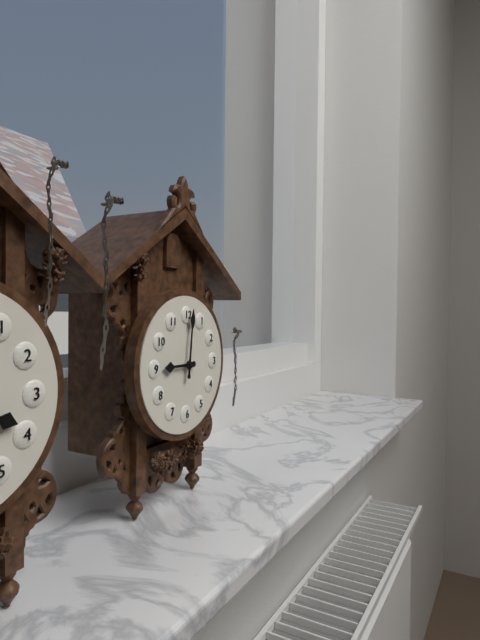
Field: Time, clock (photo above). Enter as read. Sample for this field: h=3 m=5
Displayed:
h=9 m=1
